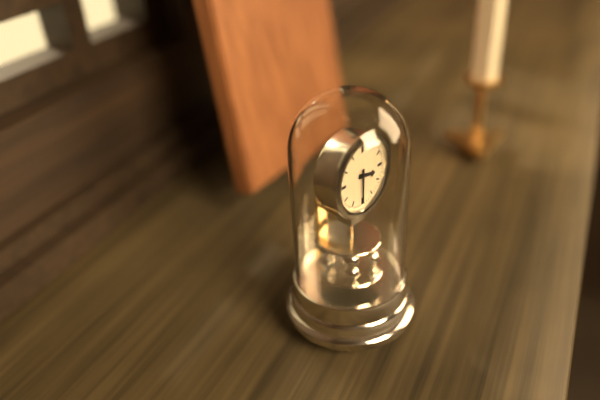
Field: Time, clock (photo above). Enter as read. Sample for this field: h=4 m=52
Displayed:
h=3 m=30
